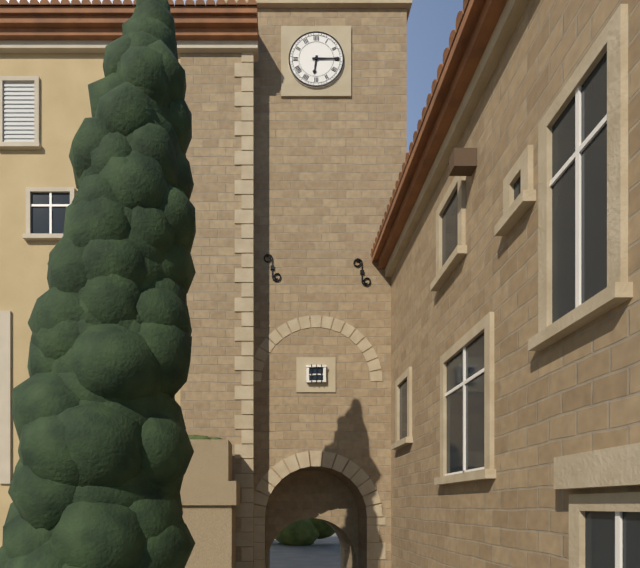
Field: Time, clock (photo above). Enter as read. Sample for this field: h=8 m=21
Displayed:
h=6 m=15
